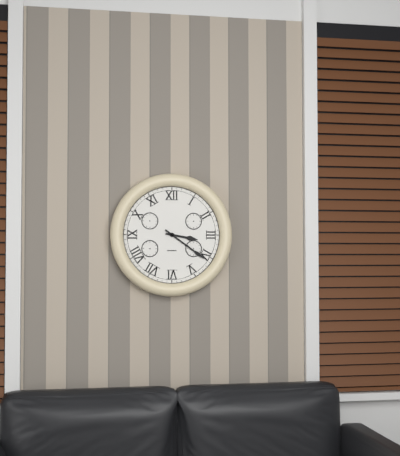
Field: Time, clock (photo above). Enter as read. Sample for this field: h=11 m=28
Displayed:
h=3 m=21
